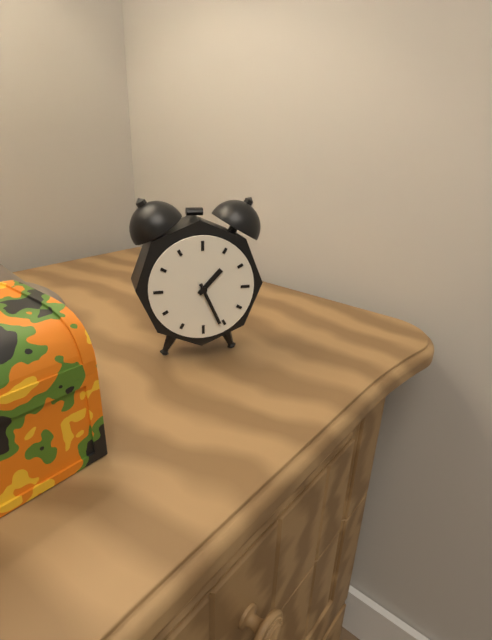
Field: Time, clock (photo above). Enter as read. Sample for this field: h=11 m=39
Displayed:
h=1 m=26
